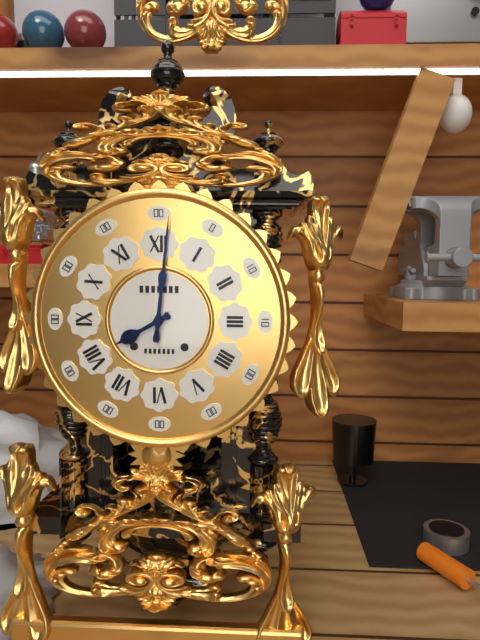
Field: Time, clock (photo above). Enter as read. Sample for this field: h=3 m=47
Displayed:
h=8 m=1
